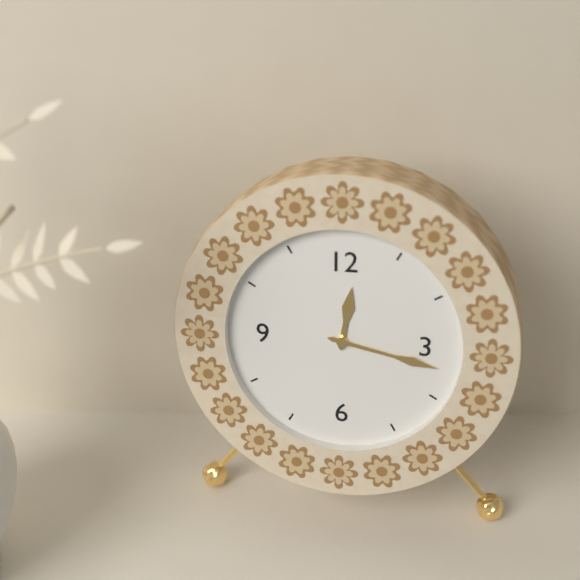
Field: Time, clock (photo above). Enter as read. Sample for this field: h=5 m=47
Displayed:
h=12 m=17
